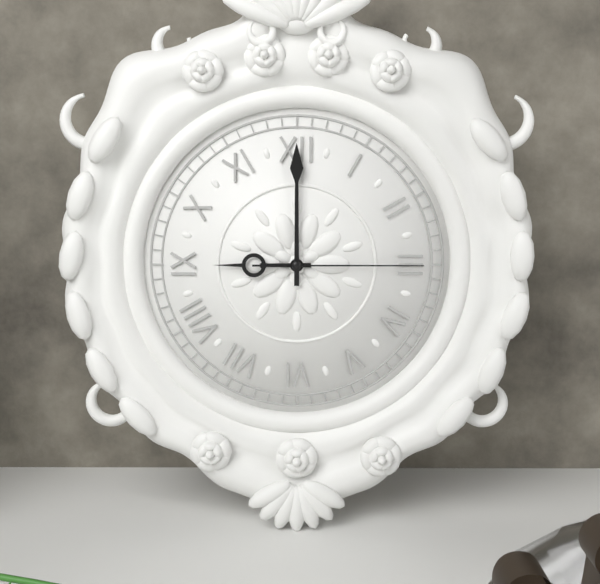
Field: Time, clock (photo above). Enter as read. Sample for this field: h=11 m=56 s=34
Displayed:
h=9 m=0 s=15
